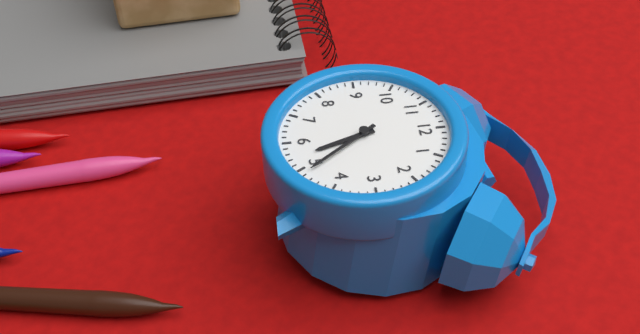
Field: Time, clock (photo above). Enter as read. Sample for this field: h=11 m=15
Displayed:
h=5 m=24
